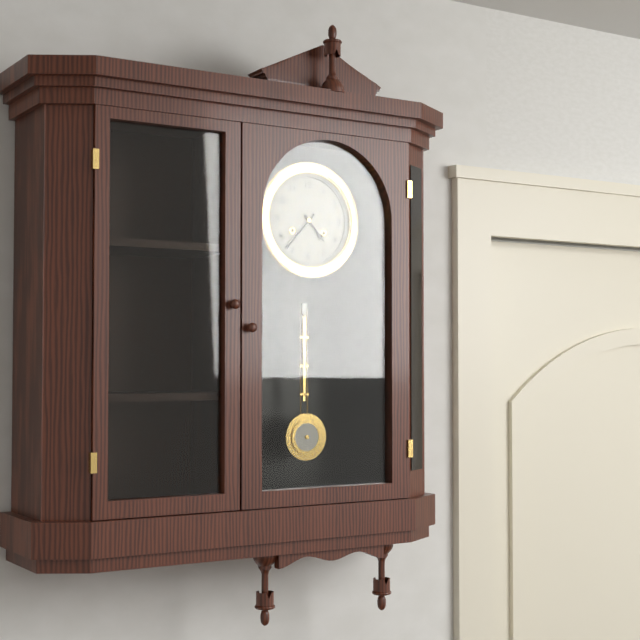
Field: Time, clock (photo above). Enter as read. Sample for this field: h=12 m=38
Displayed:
h=4 m=37
